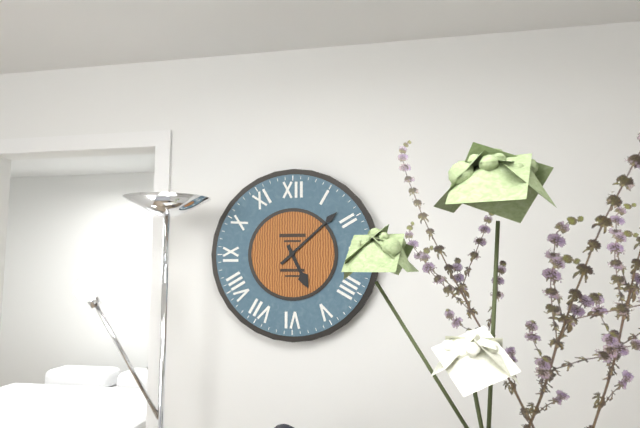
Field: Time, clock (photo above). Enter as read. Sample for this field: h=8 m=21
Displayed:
h=5 m=8
